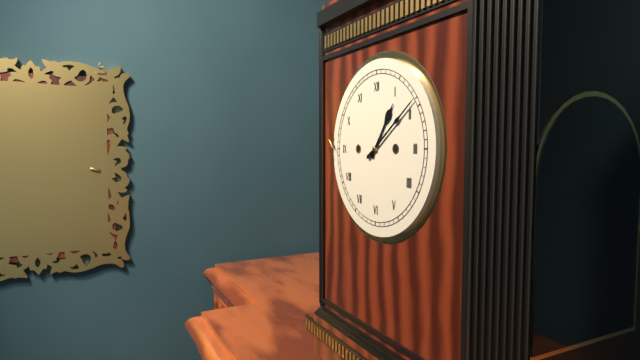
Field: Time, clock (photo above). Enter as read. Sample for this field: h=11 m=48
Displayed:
h=1 m=9
